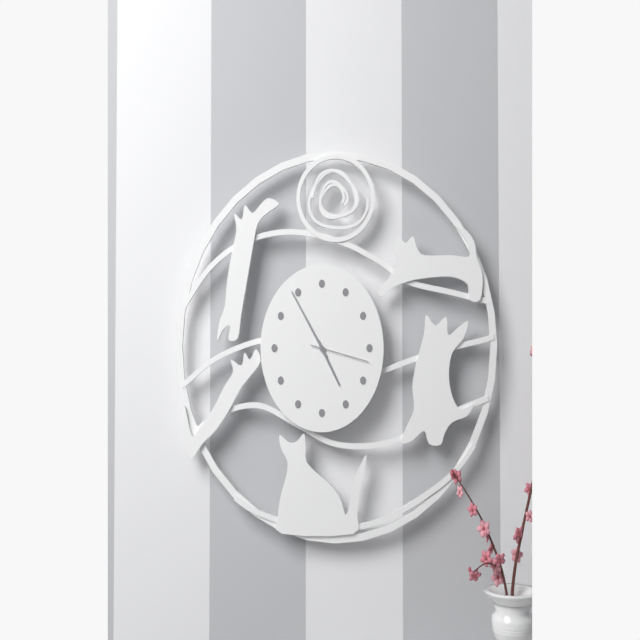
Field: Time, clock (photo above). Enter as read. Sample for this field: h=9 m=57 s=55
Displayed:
h=4 m=54 s=17
